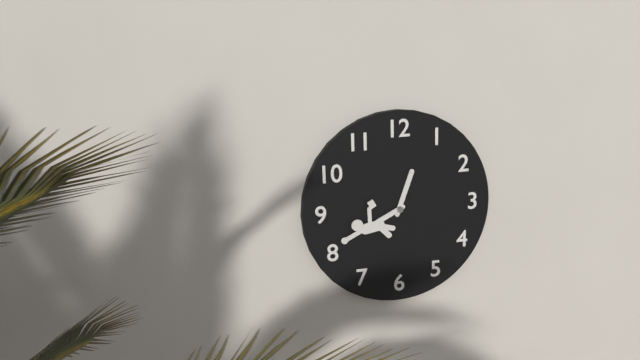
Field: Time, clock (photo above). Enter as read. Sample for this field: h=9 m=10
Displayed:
h=12 m=40
